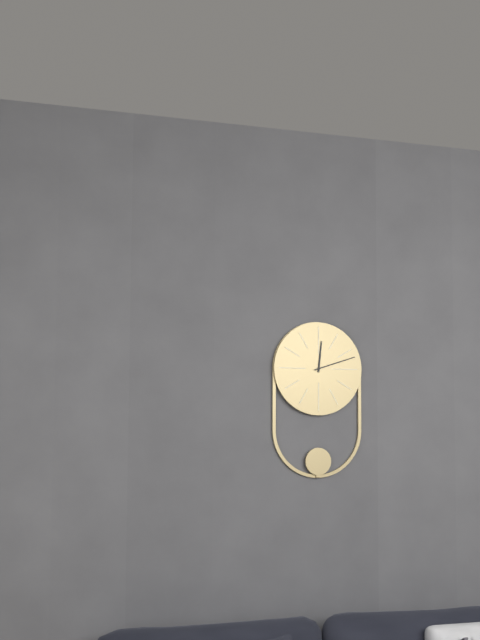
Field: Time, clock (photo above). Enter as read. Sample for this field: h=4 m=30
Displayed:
h=12 m=12
